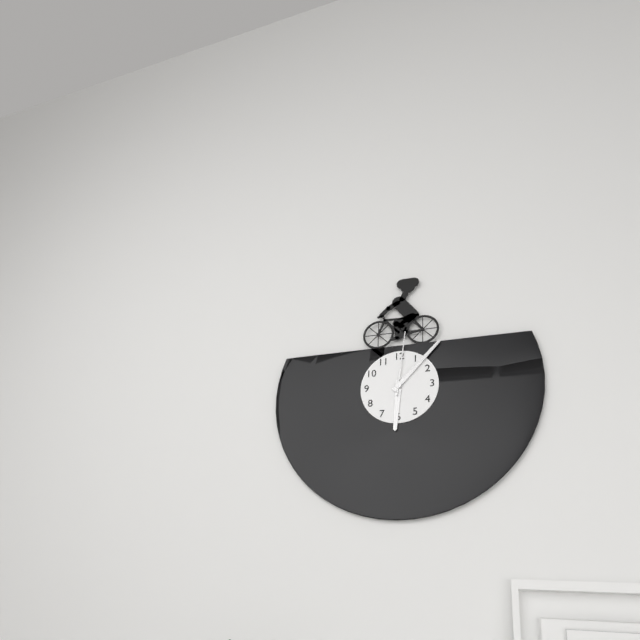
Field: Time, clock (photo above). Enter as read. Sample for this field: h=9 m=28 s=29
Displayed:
h=6 m=7 s=1
